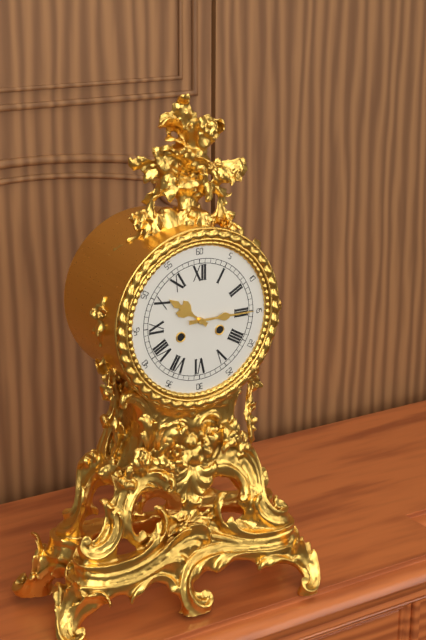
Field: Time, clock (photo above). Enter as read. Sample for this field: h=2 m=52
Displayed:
h=10 m=15
